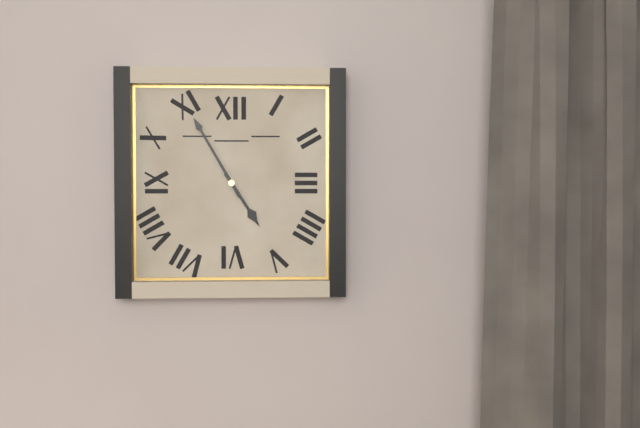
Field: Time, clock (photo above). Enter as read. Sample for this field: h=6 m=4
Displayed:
h=4 m=55
